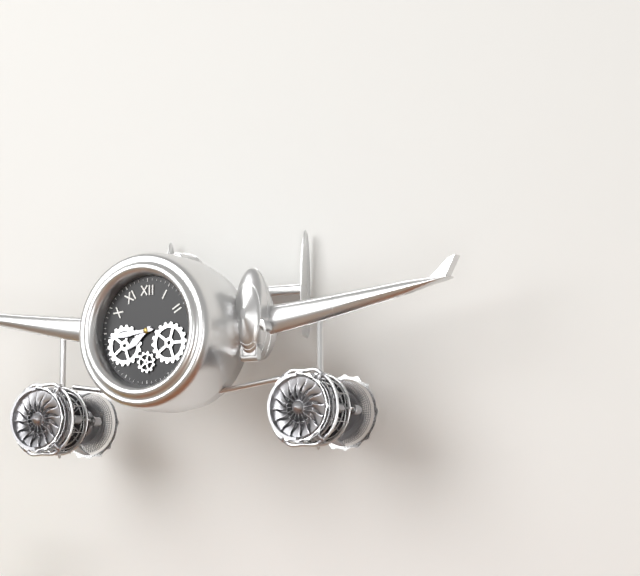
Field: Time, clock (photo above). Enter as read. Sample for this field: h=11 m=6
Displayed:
h=7 m=44
